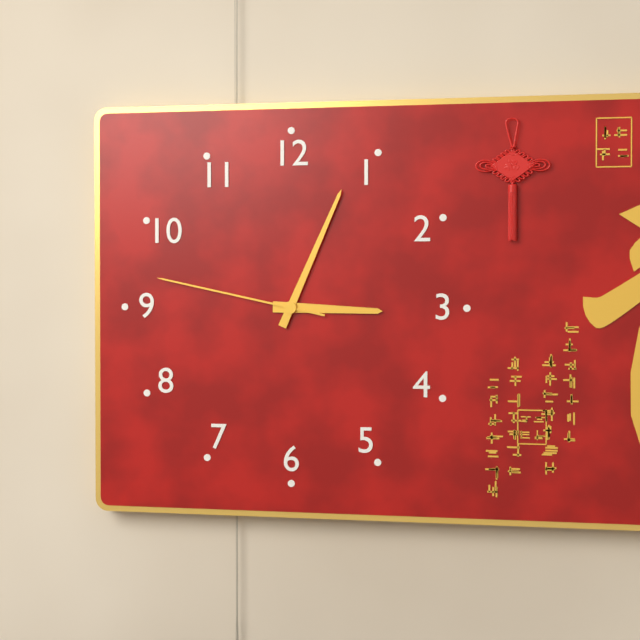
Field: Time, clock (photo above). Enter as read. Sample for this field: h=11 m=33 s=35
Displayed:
h=3 m=4 s=47
